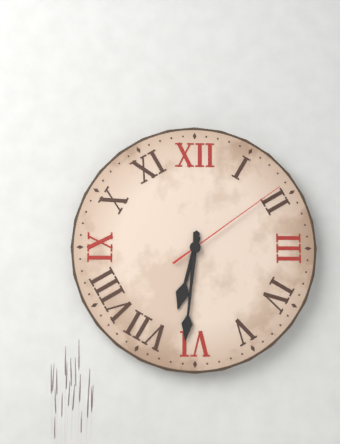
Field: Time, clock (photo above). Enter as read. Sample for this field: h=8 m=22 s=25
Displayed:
h=6 m=31 s=9
